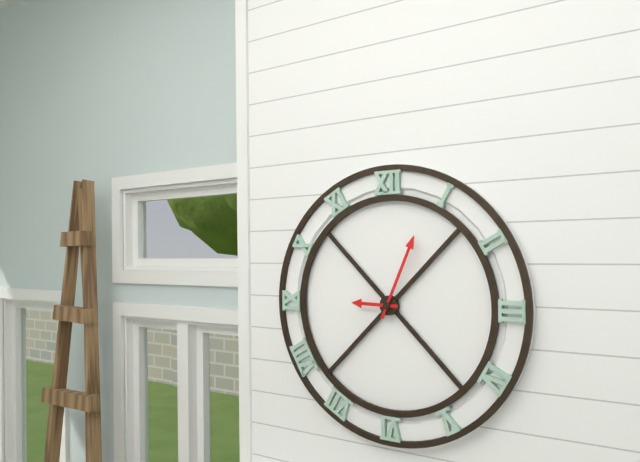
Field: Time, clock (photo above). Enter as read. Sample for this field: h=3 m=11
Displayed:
h=9 m=4
